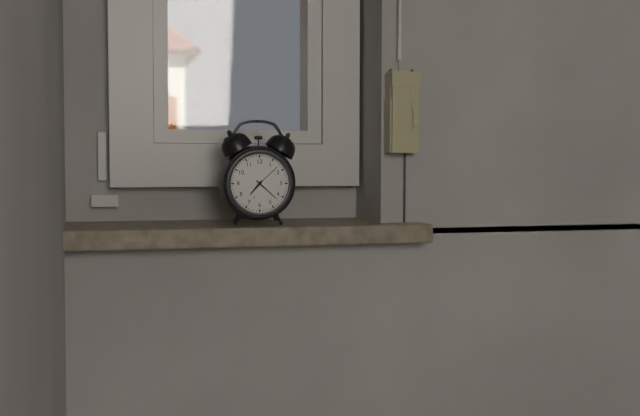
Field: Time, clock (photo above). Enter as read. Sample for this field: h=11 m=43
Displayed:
h=7 m=22
